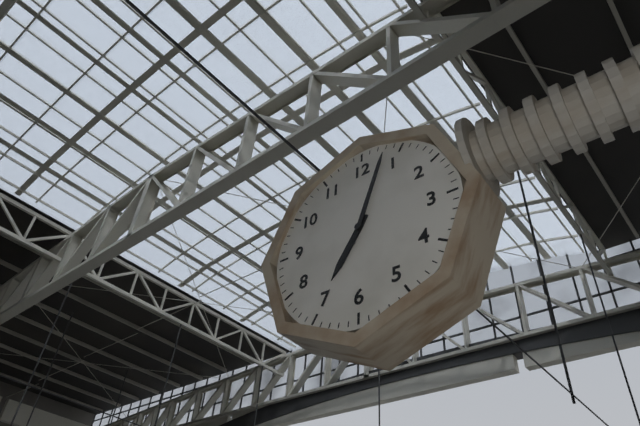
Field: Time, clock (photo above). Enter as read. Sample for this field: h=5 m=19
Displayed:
h=7 m=3
